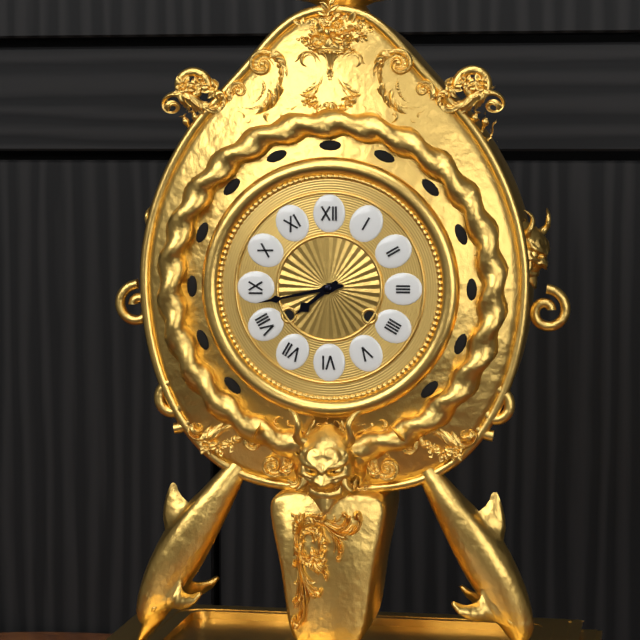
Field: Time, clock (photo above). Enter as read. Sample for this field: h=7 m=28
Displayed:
h=7 m=43
